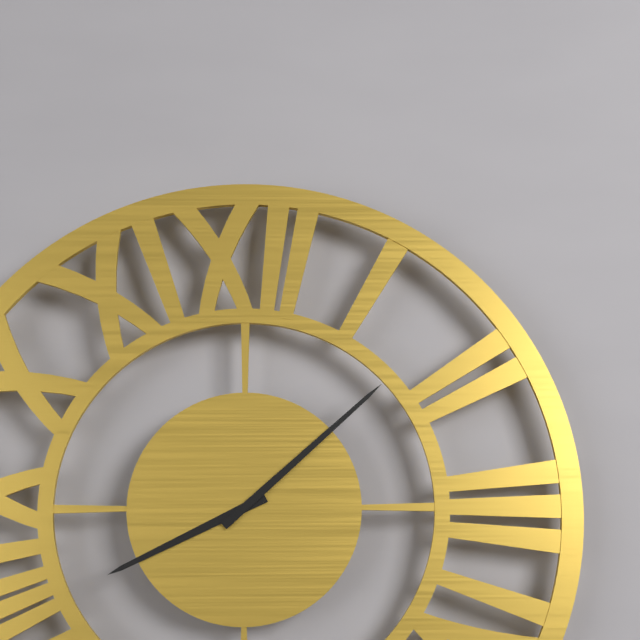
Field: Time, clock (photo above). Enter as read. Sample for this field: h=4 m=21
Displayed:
h=8 m=8
